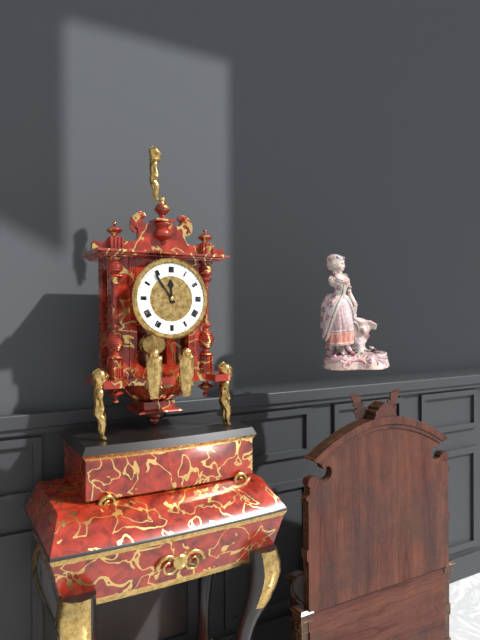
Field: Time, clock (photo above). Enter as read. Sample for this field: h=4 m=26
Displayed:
h=11 m=54
